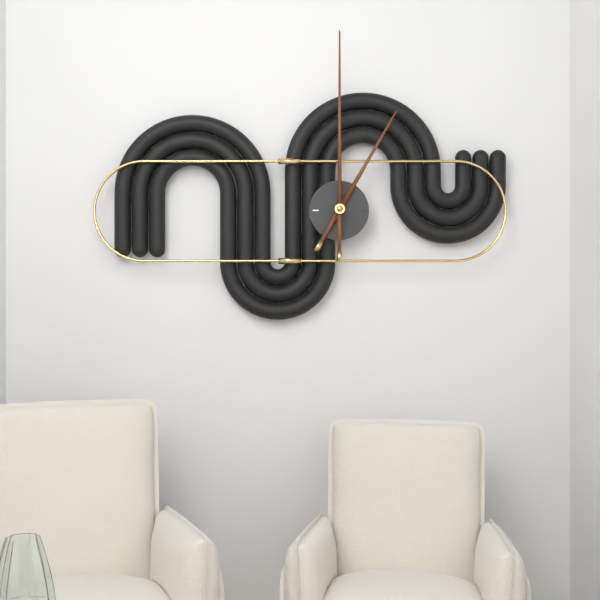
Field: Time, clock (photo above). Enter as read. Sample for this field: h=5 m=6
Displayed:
h=1 m=0
